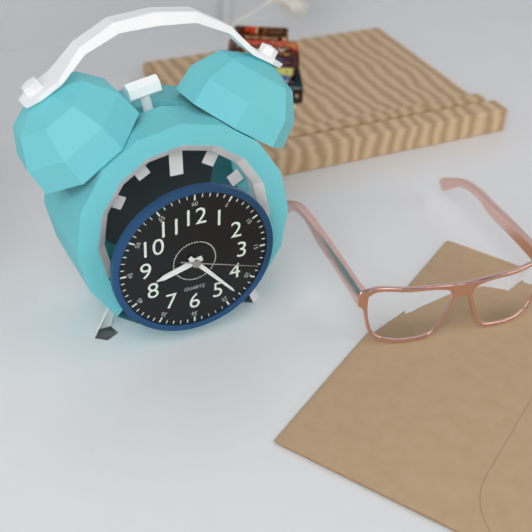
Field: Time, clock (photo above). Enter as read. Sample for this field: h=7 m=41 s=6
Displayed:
h=8 m=23 s=18
